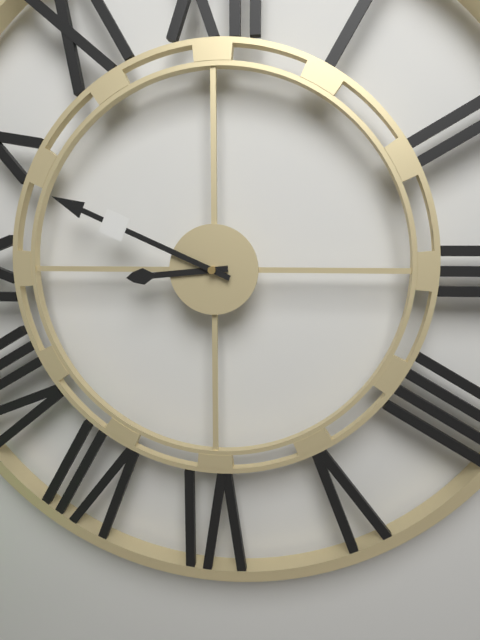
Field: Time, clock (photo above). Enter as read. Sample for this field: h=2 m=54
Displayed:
h=8 m=49
